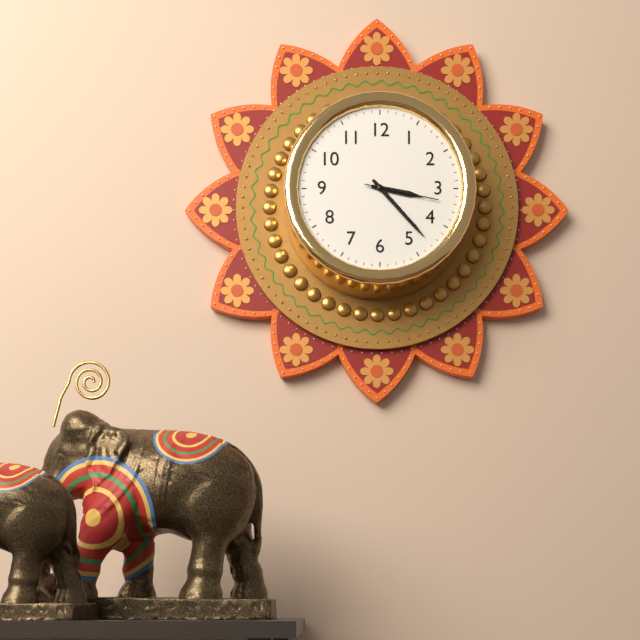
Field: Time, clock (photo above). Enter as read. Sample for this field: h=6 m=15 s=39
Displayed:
h=3 m=23 s=17
